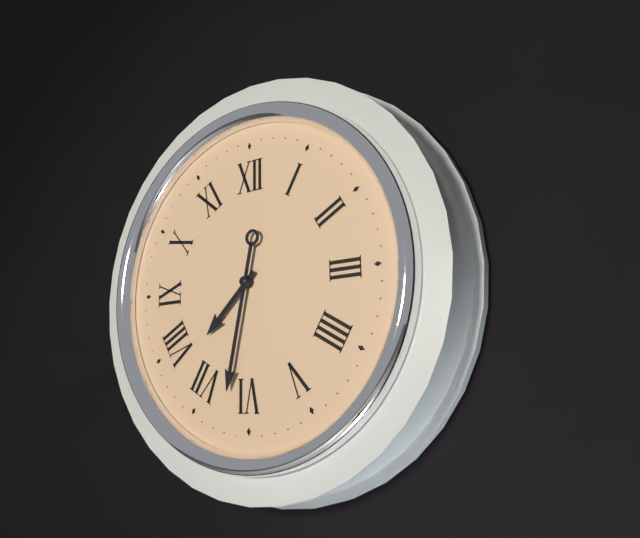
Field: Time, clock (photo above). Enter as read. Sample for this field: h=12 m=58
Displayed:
h=7 m=32
